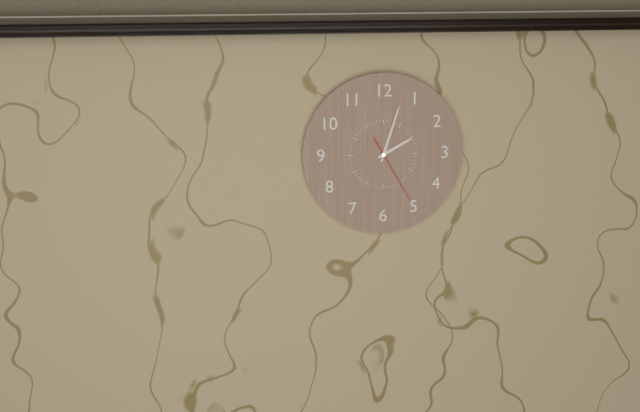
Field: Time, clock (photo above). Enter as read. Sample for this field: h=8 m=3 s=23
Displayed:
h=2 m=3 s=25
